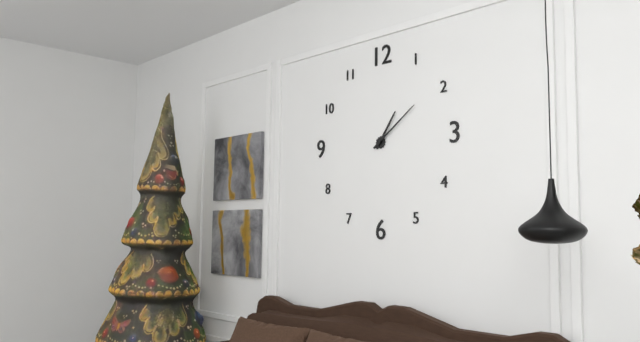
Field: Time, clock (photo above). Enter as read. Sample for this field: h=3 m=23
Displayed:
h=1 m=9
